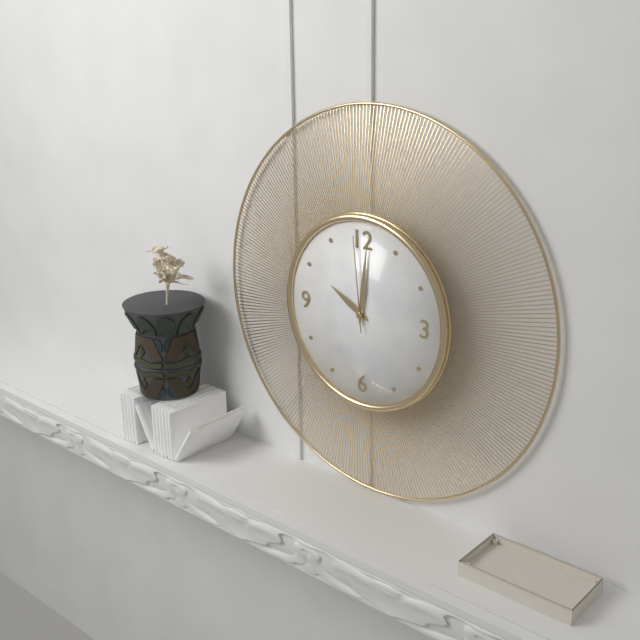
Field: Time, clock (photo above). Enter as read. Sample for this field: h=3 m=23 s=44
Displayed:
h=10 m=1 s=59
